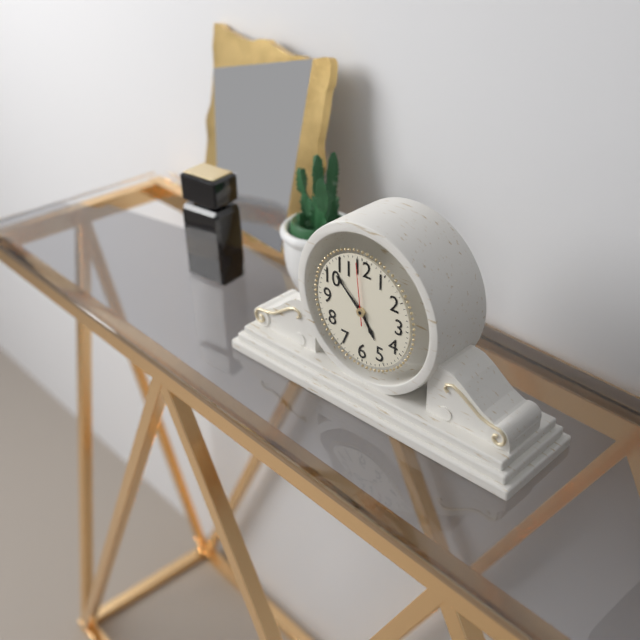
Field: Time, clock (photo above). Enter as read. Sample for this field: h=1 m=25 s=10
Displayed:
h=4 m=52 s=59
